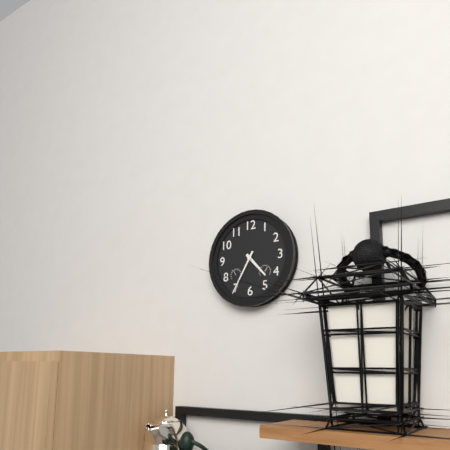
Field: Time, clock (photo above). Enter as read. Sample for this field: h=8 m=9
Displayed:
h=4 m=35
